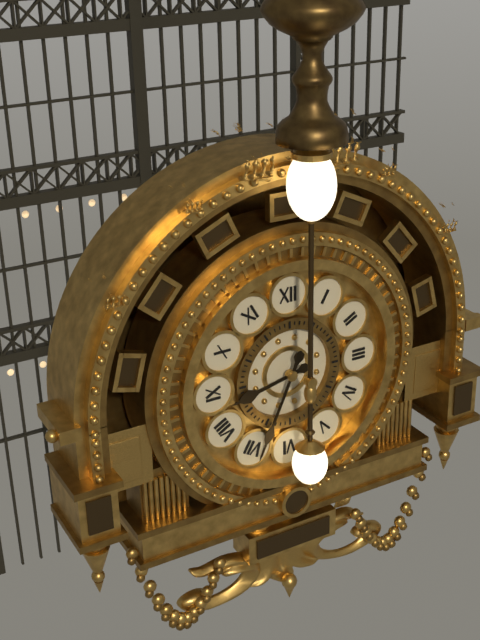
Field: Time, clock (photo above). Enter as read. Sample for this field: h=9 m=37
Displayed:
h=8 m=34
